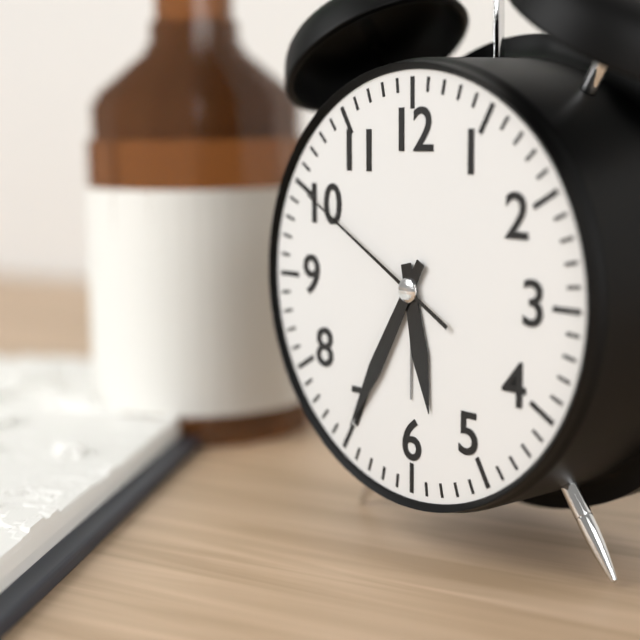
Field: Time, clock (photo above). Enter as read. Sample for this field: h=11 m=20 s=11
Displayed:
h=5 m=35 s=50
